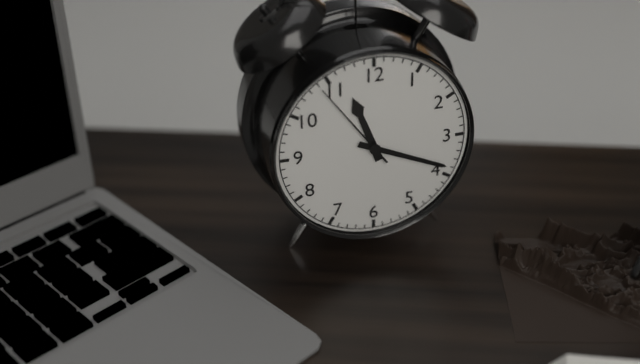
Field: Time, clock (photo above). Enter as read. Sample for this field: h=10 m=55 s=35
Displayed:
h=11 m=19 s=54
